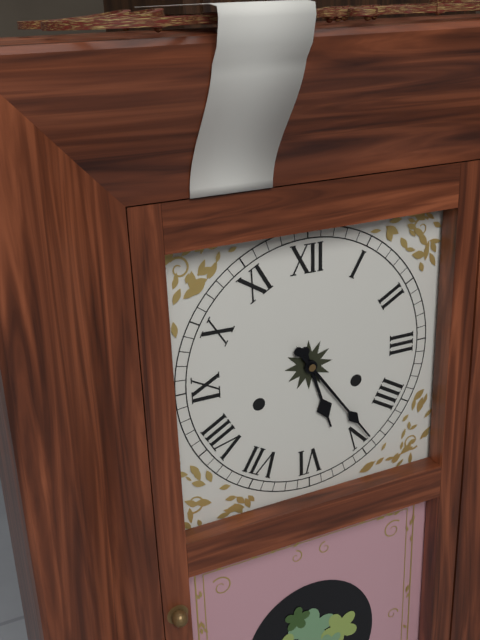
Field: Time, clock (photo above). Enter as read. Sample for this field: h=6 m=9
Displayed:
h=5 m=24
